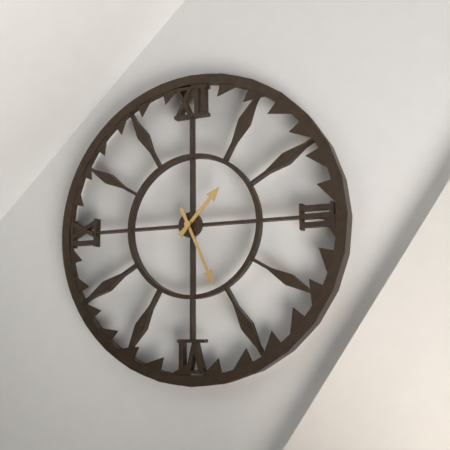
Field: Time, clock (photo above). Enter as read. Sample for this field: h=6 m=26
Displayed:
h=1 m=26
